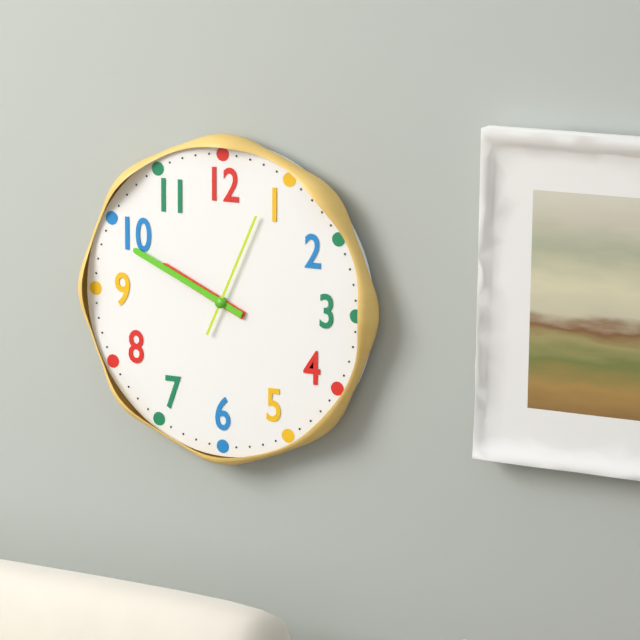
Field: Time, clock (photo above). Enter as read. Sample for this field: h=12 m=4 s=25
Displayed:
h=9 m=49 s=4
